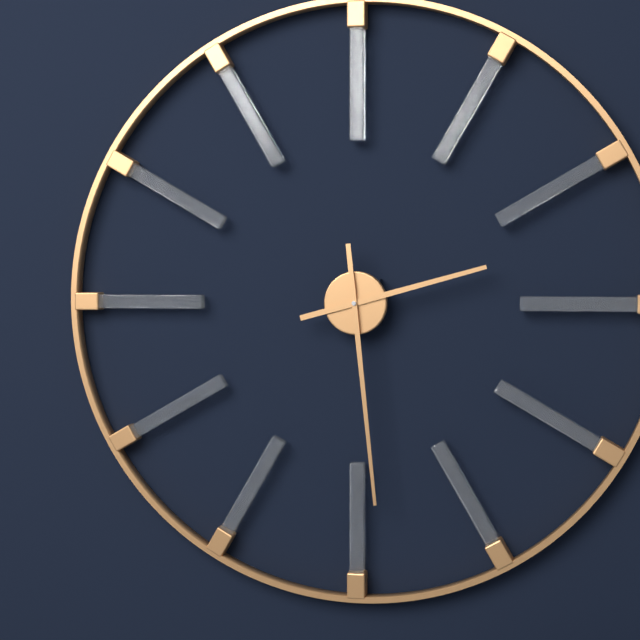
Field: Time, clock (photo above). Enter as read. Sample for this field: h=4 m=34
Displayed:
h=2 m=29
